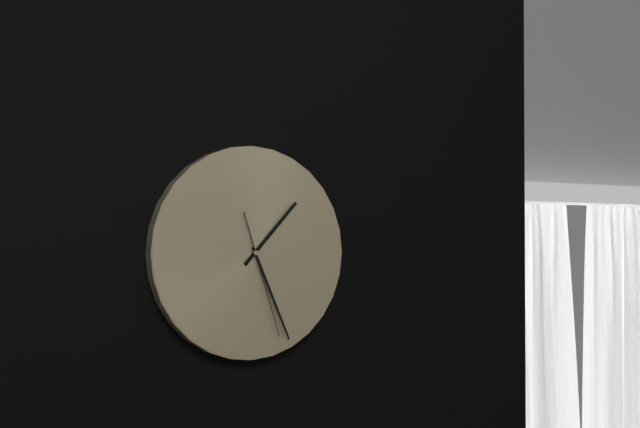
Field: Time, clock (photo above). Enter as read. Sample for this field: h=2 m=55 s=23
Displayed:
h=1 m=26 s=27
